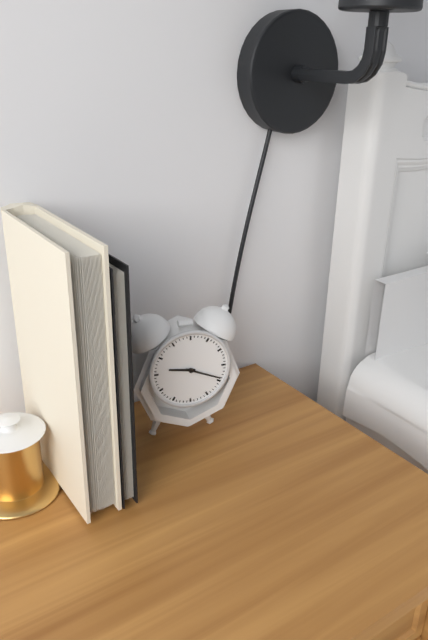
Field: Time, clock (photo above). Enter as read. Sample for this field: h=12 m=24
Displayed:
h=9 m=19
